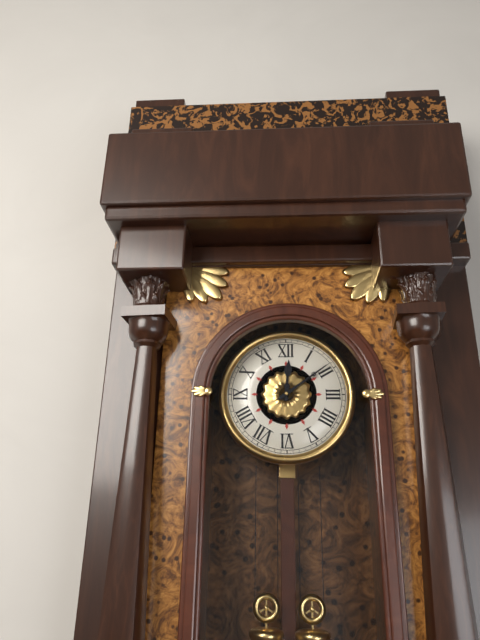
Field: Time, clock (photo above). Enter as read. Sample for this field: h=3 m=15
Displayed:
h=12 m=9
